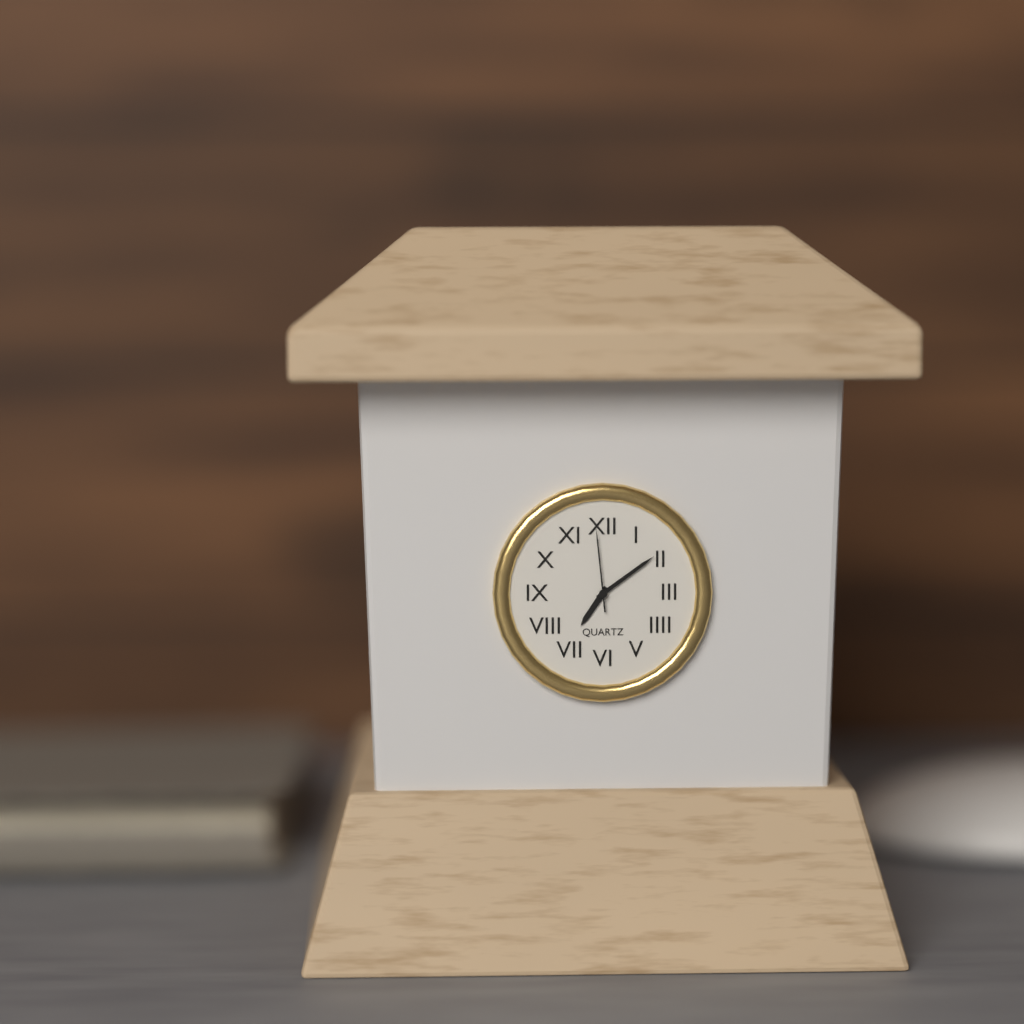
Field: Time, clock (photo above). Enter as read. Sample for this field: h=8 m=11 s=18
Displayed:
h=7 m=9 s=59
